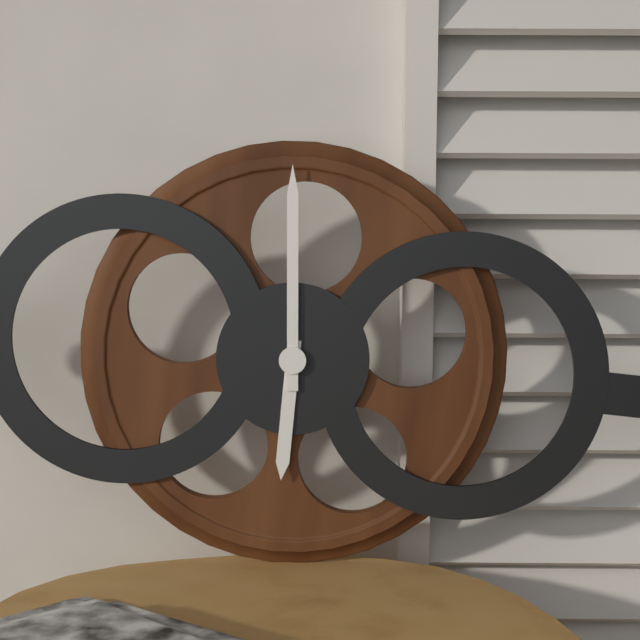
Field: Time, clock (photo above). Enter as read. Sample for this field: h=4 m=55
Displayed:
h=5 m=59
